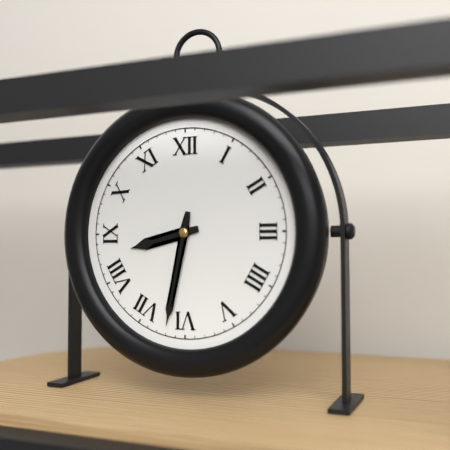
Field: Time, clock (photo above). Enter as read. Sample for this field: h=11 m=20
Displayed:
h=8 m=32
